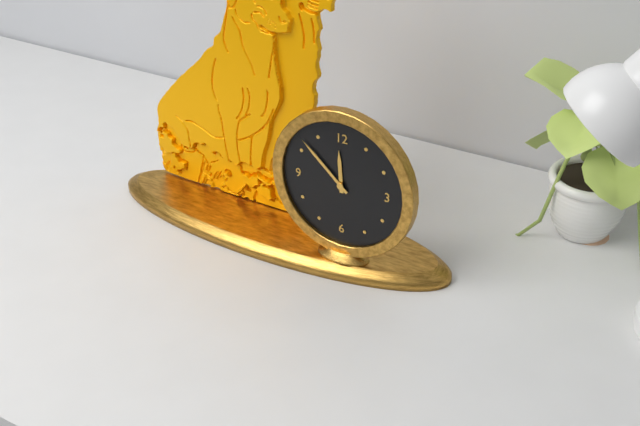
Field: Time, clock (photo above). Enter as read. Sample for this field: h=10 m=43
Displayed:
h=11 m=52
